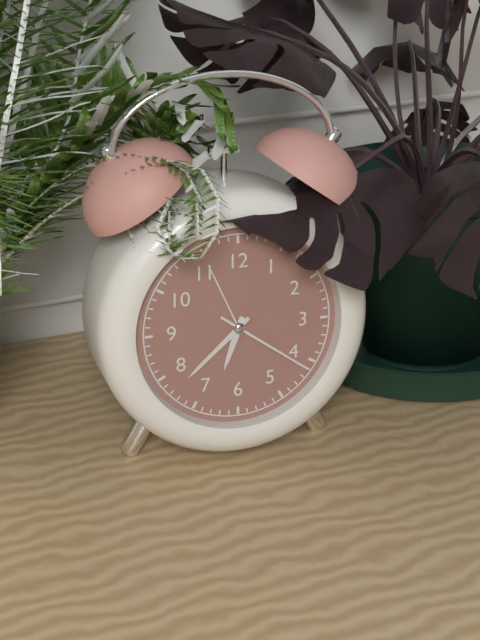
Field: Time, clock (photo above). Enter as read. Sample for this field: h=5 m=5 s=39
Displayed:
h=6 m=38 s=21
